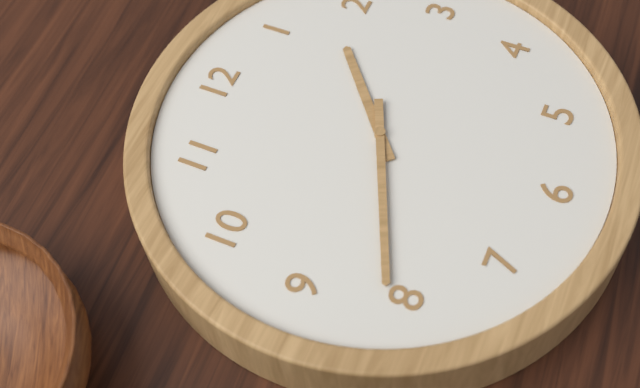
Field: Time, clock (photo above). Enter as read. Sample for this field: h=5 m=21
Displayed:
h=1 m=41
